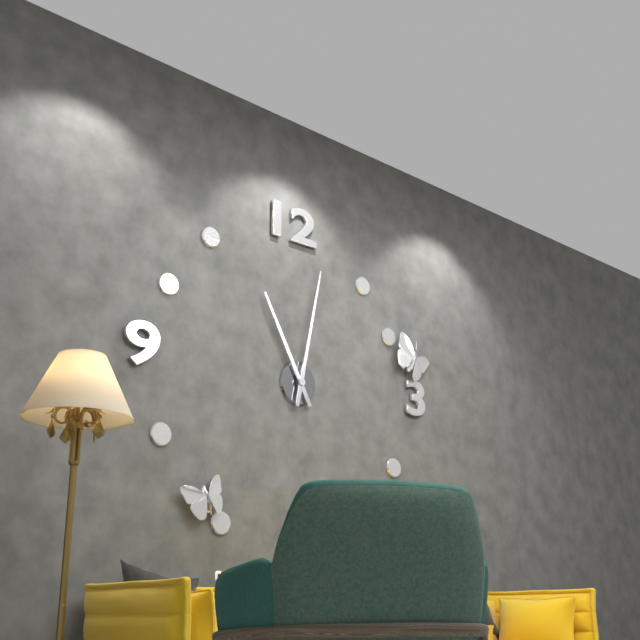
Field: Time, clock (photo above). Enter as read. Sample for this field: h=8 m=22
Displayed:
h=11 m=2
